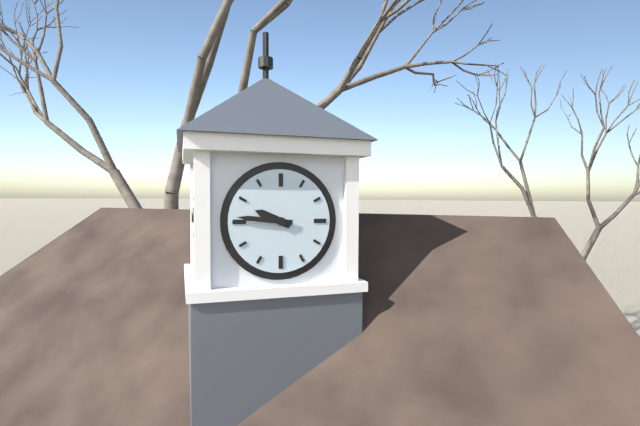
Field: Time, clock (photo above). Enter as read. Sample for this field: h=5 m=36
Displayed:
h=9 m=46
